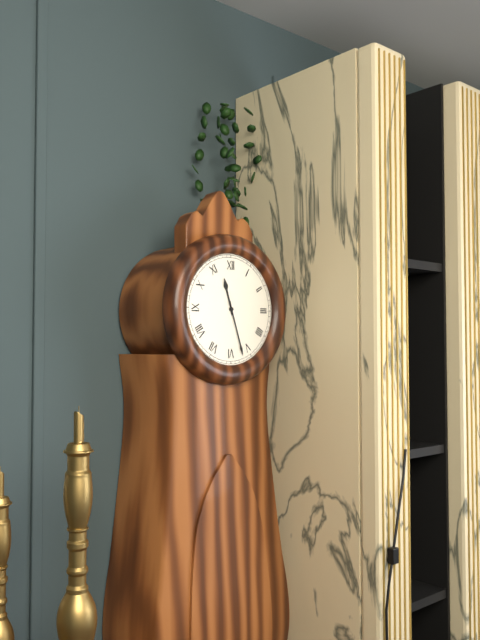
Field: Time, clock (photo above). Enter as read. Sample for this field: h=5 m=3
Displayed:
h=11 m=27
